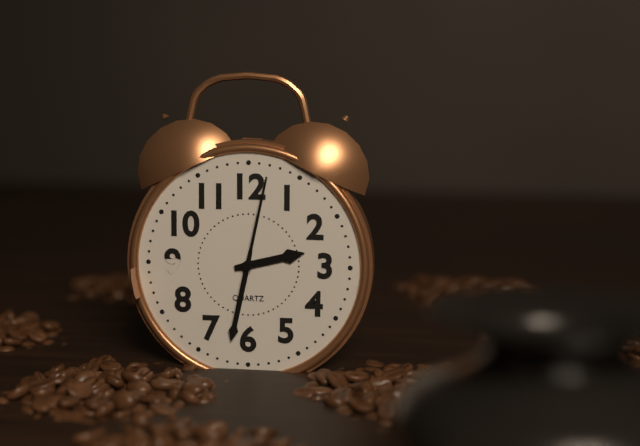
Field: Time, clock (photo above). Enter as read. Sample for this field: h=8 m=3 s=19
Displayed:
h=2 m=32 s=2
